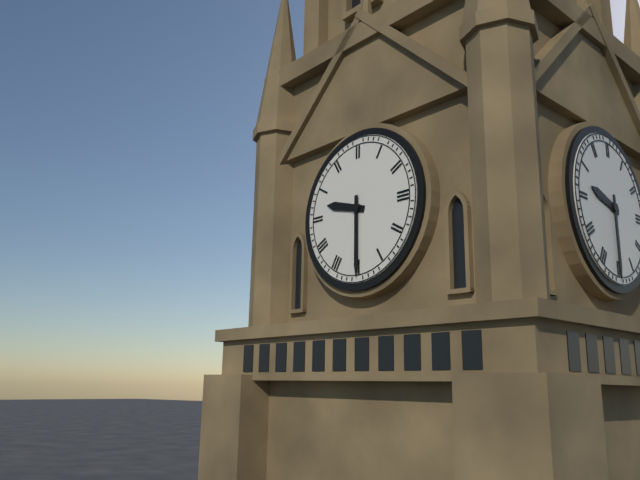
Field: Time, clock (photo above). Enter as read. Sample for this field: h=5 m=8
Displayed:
h=9 m=30
